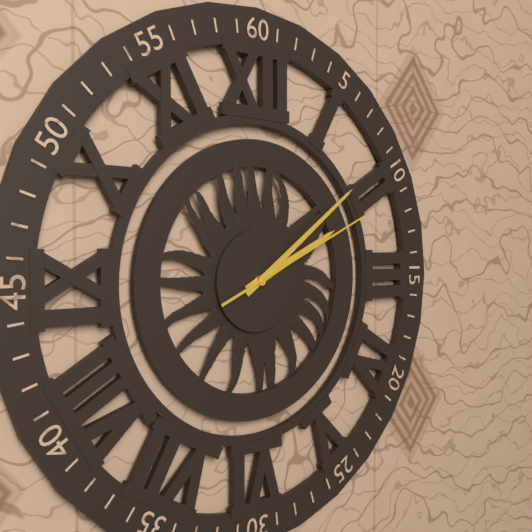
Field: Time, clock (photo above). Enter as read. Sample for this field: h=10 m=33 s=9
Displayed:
h=2 m=9 s=11
